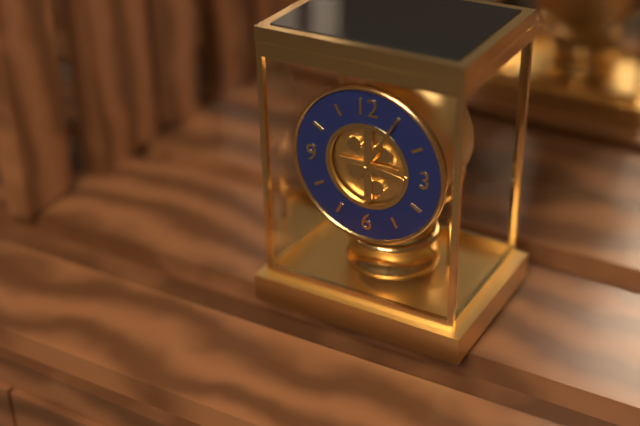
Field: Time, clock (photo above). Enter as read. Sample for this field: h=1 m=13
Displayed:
h=3 m=5
